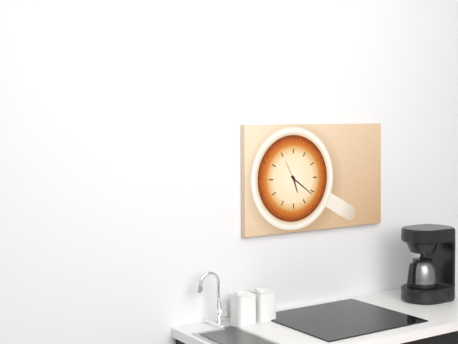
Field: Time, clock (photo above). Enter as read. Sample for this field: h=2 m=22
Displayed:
h=5 m=21
